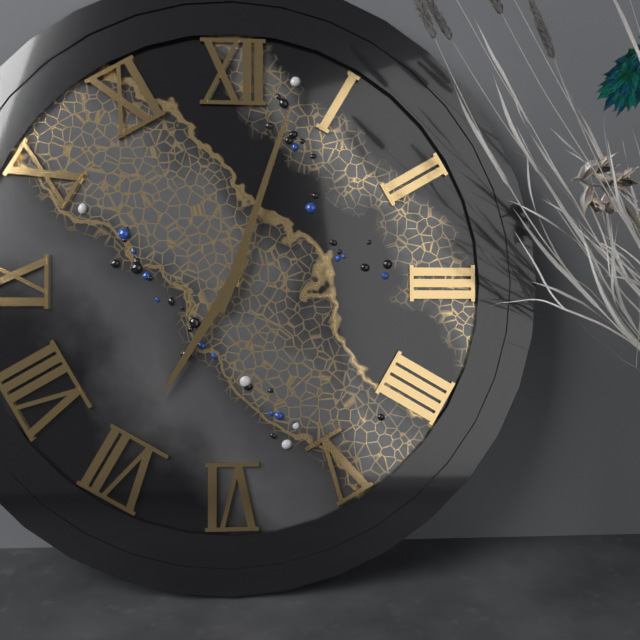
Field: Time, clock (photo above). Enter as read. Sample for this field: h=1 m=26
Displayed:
h=7 m=3
